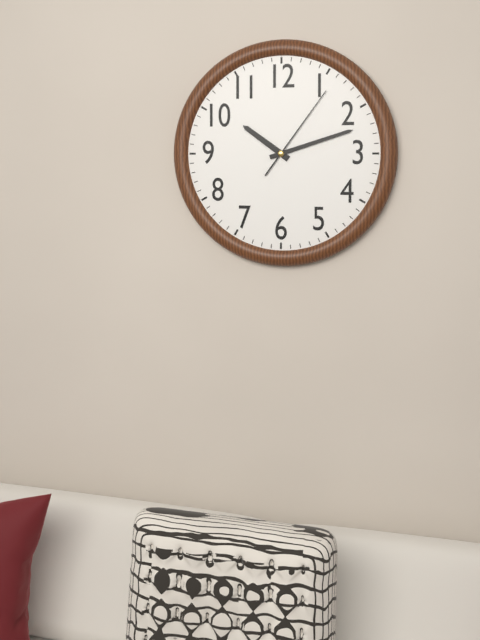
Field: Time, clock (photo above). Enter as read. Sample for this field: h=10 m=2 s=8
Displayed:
h=10 m=12 s=6
